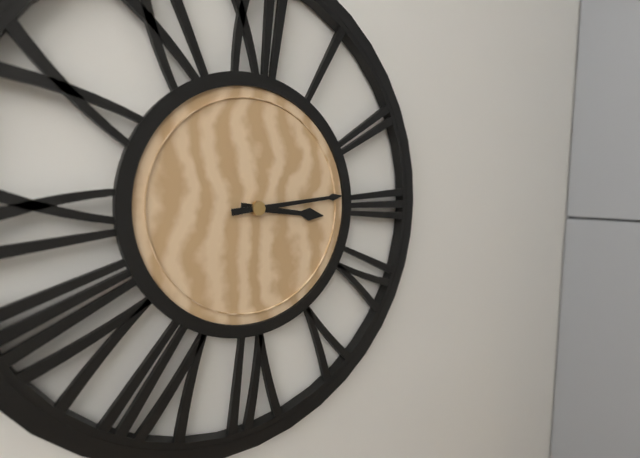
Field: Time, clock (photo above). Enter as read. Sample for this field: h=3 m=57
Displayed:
h=3 m=14
